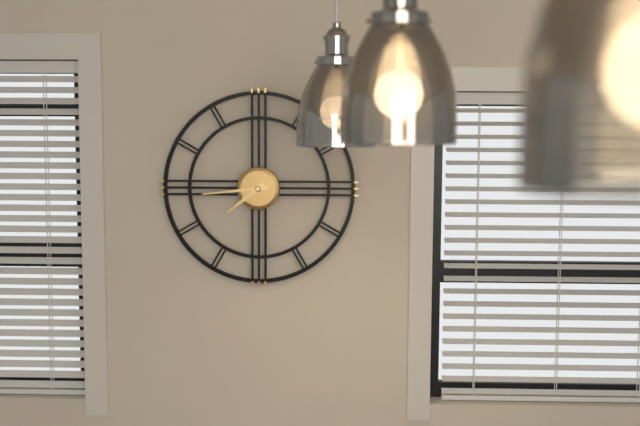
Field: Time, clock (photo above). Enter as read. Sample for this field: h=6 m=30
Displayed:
h=7 m=44
